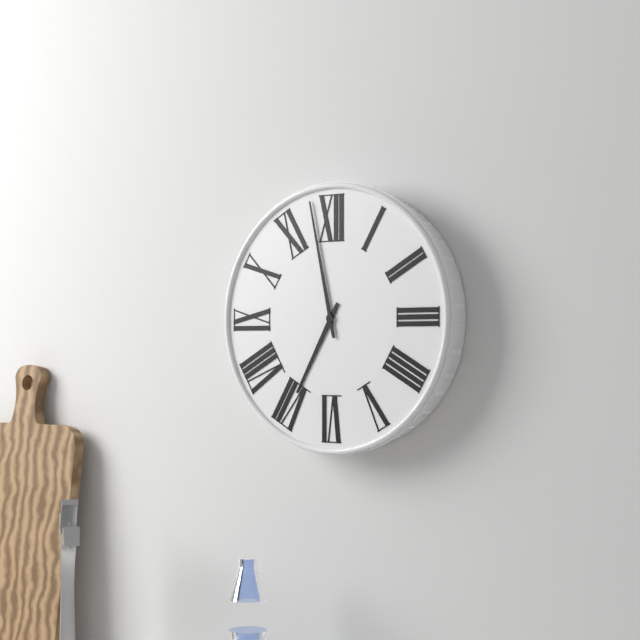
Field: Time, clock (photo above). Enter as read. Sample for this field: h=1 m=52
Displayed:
h=6 m=58
